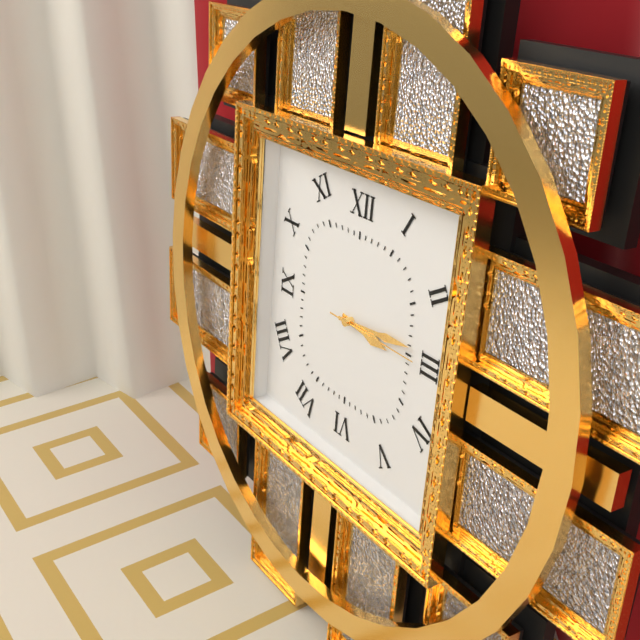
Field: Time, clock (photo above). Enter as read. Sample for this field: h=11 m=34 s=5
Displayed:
h=3 m=14 s=15
